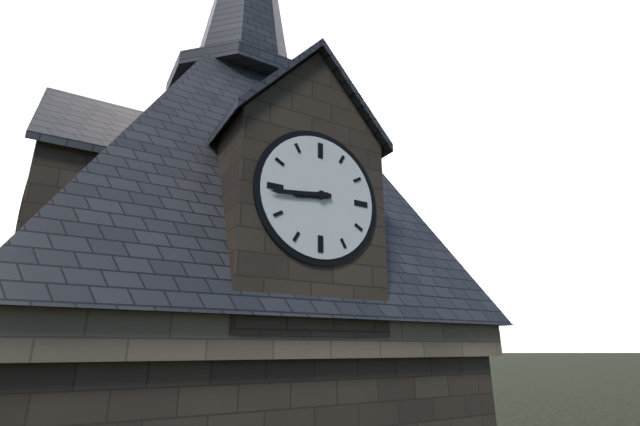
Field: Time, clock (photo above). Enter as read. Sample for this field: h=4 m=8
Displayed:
h=8 m=44
